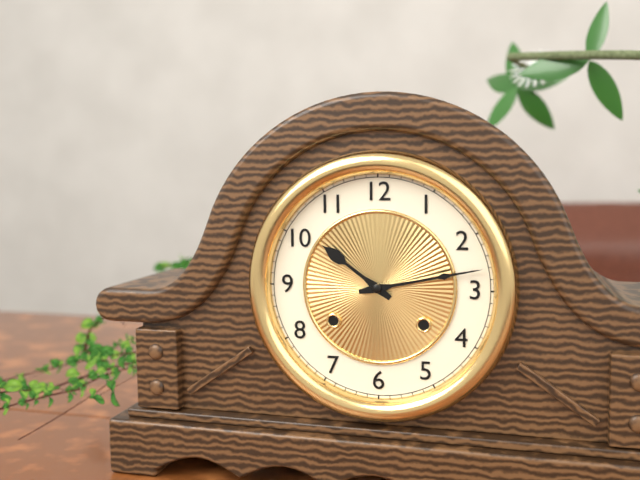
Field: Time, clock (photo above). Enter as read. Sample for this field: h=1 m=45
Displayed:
h=10 m=13
